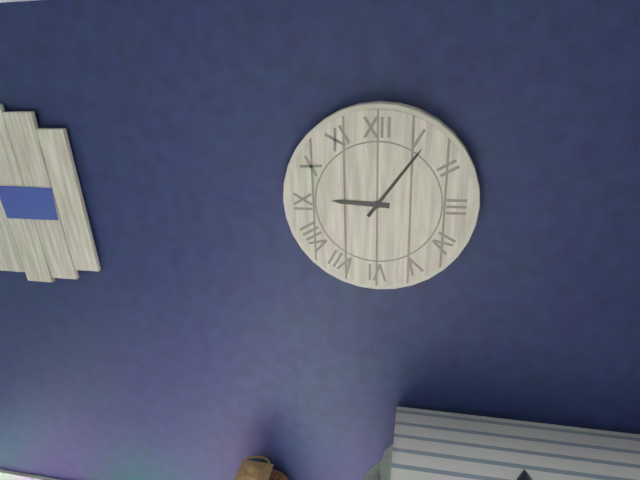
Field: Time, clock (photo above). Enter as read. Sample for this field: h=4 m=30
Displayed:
h=9 m=6
